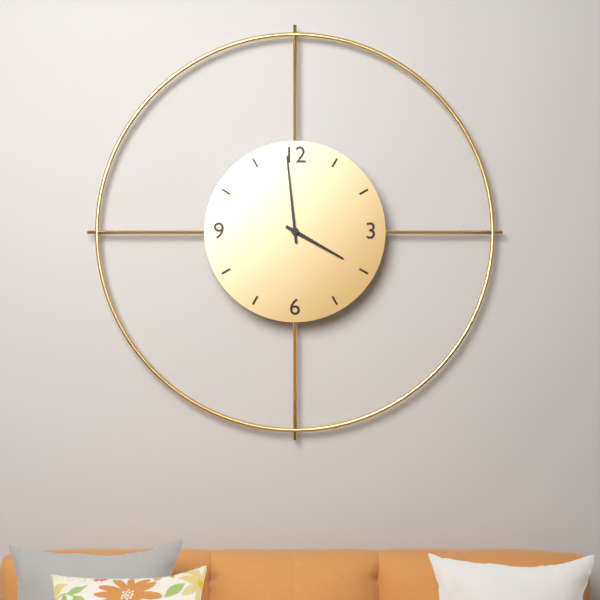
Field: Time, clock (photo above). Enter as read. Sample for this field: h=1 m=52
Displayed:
h=3 m=59
